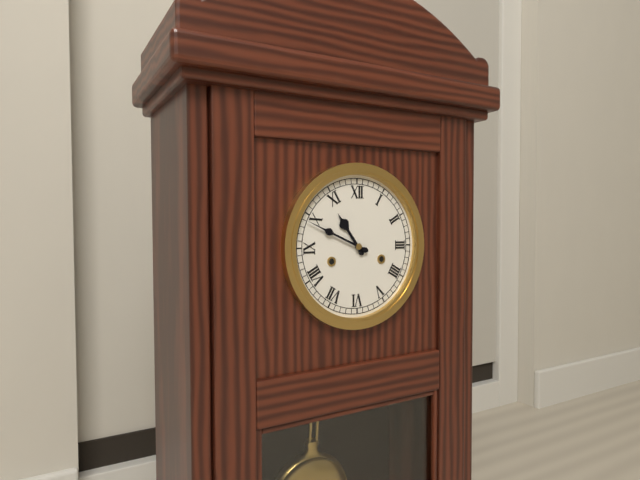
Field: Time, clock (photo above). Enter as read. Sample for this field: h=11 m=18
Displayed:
h=10 m=49
